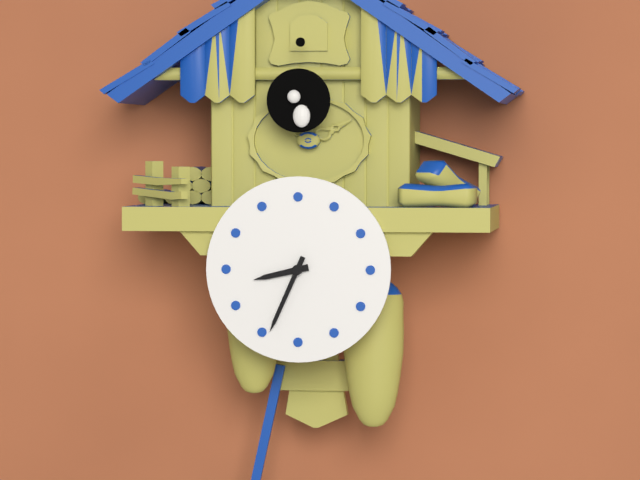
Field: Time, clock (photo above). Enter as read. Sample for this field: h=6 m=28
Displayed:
h=8 m=34
